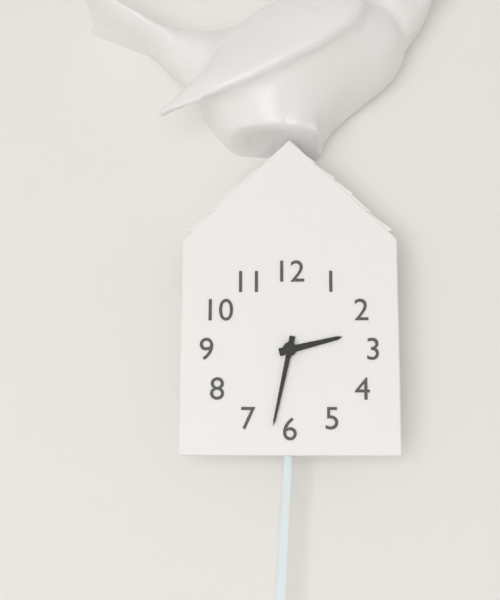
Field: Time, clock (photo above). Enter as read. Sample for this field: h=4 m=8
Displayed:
h=2 m=32
